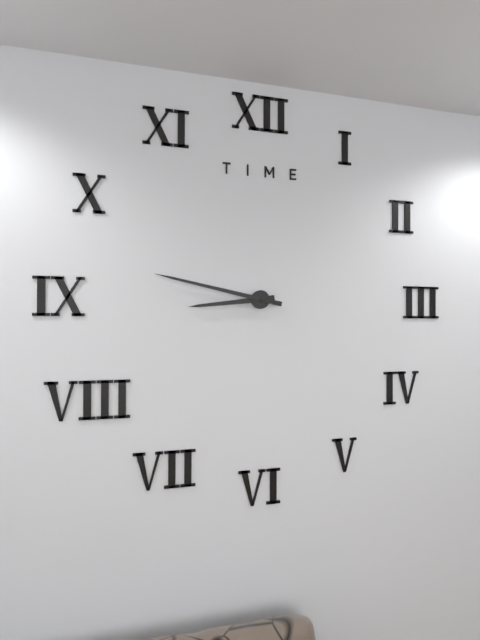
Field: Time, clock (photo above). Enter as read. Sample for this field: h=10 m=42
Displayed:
h=8 m=47
